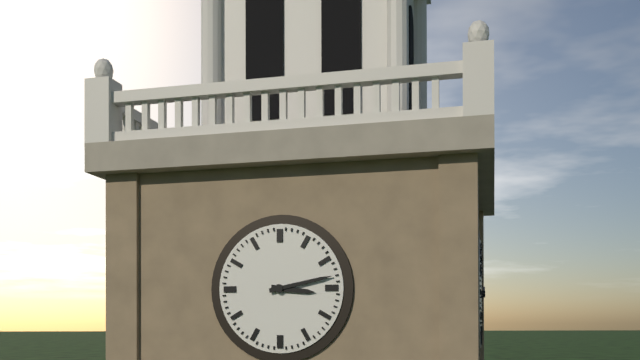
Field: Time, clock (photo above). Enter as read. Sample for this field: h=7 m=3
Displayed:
h=3 m=13
